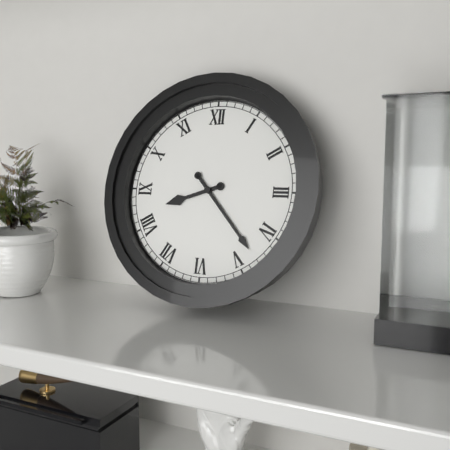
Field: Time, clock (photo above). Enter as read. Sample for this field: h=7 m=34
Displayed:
h=8 m=23
